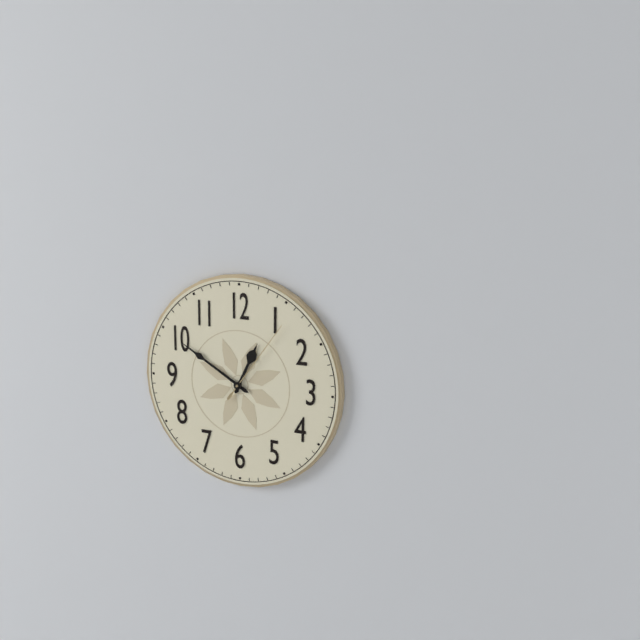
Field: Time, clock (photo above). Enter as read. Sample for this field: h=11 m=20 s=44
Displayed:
h=12 m=50 s=6
